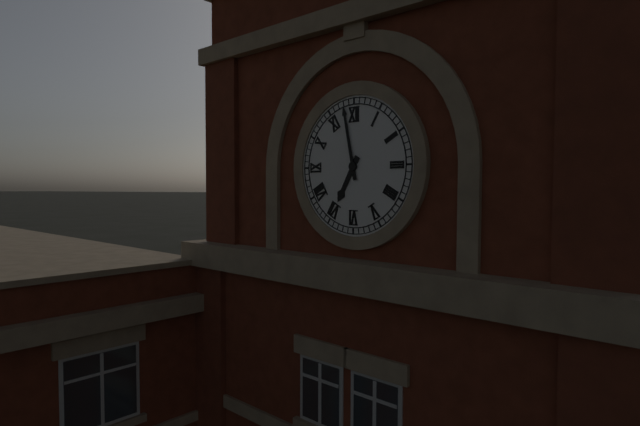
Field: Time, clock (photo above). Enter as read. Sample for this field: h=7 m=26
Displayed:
h=6 m=58
